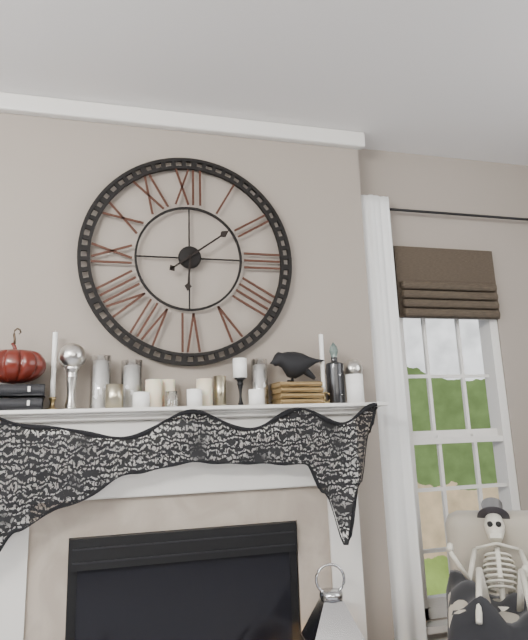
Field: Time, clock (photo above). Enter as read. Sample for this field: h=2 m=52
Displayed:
h=6 m=9
